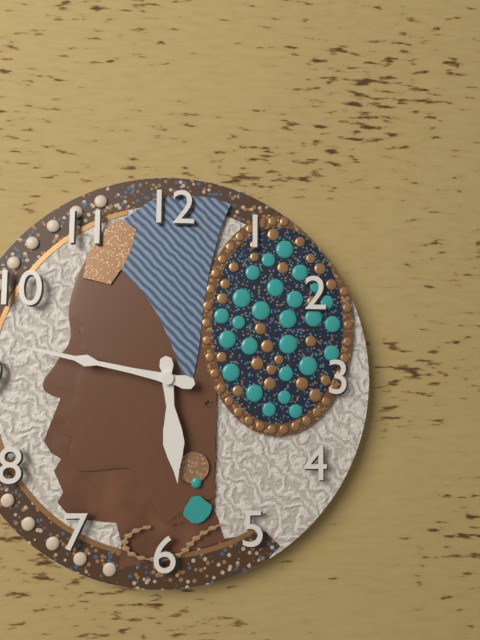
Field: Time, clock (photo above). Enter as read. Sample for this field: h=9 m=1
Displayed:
h=5 m=47
